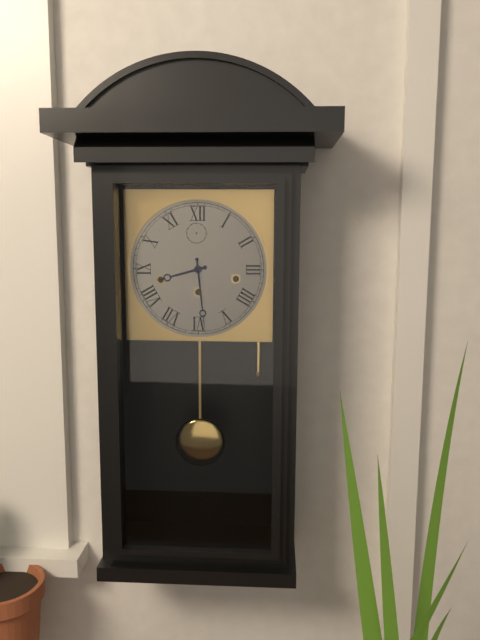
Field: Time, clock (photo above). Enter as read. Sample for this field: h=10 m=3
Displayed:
h=8 m=29
